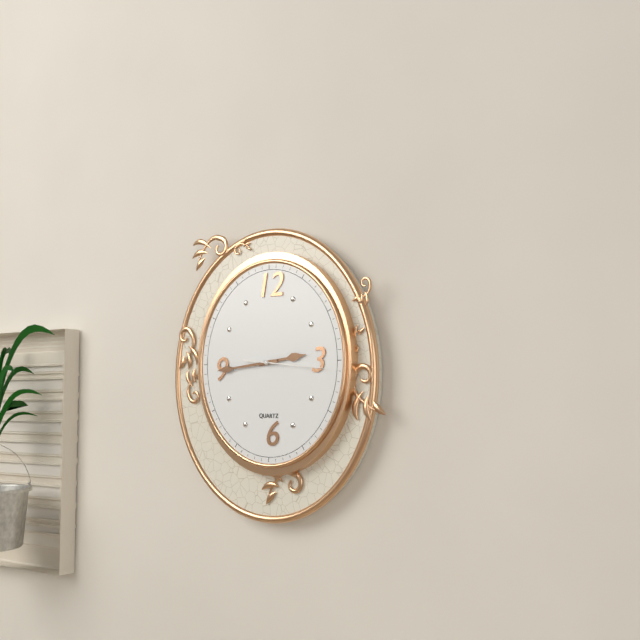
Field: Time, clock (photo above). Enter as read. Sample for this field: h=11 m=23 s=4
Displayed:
h=2 m=44 s=16
